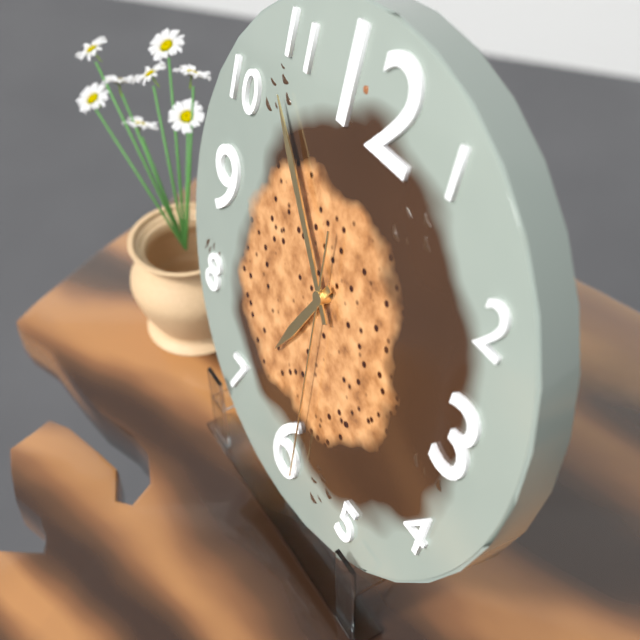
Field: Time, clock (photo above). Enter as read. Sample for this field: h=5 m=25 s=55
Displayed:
h=6 m=53 s=29
